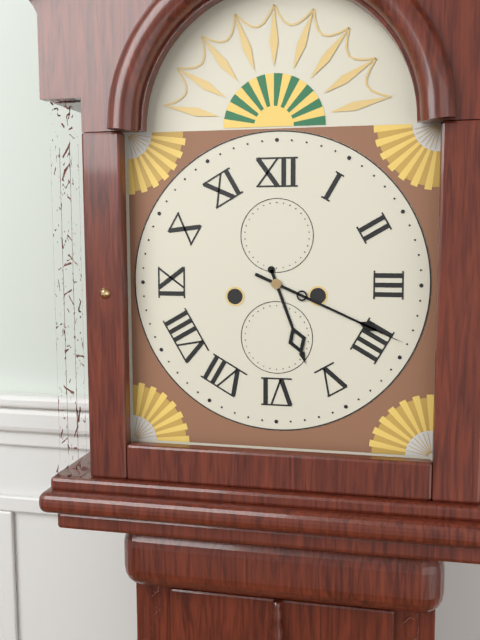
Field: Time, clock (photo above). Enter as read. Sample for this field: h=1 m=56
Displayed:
h=5 m=19
